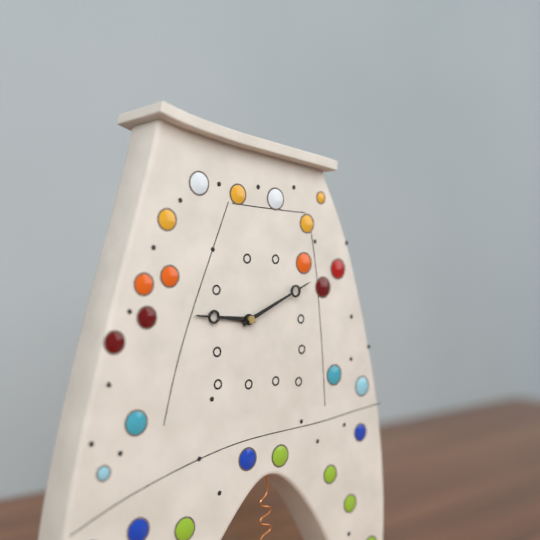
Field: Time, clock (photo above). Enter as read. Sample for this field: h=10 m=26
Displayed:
h=9 m=11
